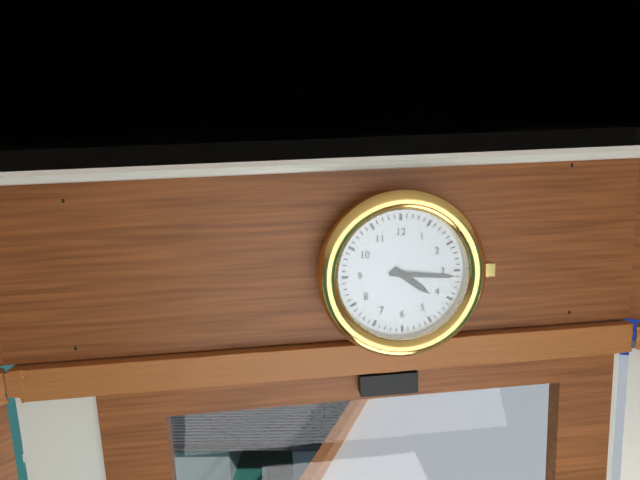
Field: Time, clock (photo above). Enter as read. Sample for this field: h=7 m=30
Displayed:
h=4 m=16
